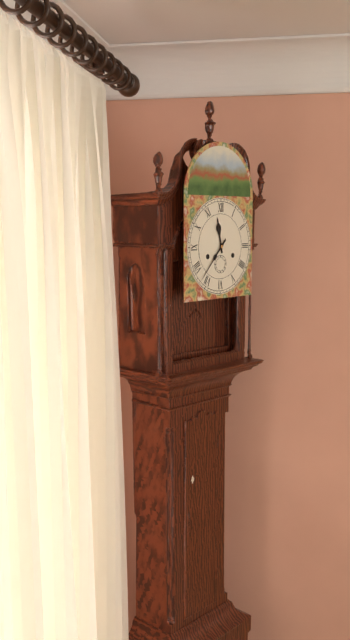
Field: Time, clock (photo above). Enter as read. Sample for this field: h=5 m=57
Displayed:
h=11 m=37
